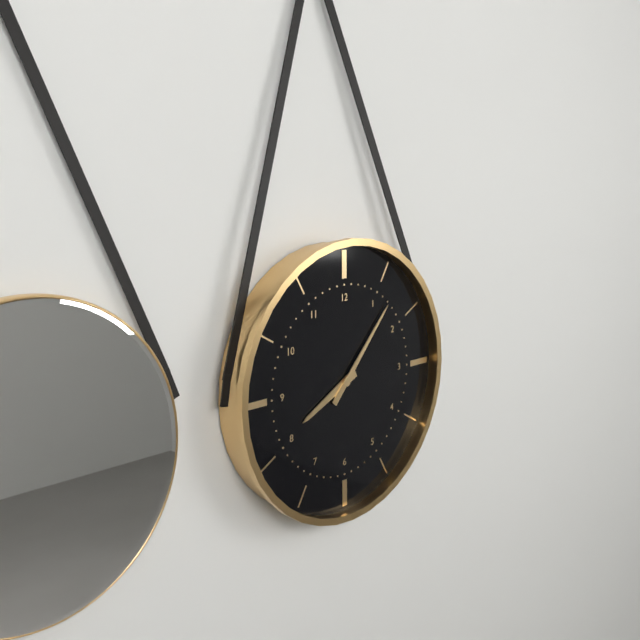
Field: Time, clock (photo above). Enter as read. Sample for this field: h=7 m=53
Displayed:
h=8 m=7
